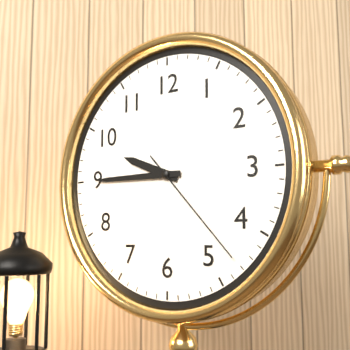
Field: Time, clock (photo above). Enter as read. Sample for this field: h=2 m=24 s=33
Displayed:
h=9 m=45 s=23
